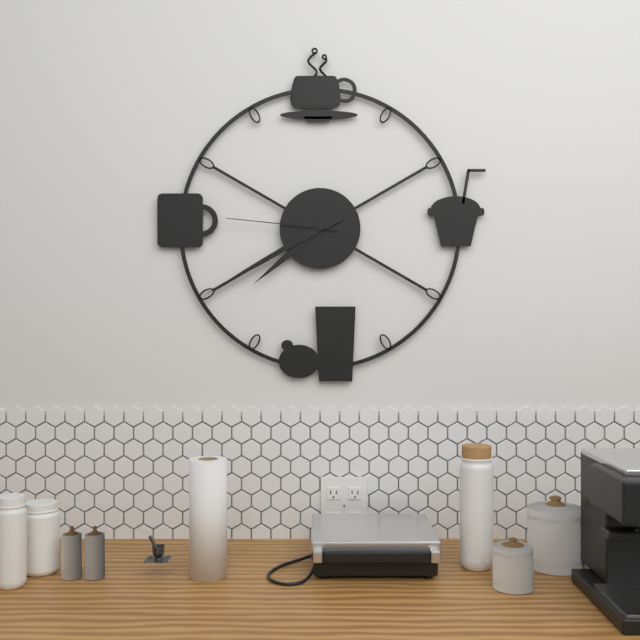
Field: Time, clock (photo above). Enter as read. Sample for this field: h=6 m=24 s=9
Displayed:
h=7 m=40 s=46
